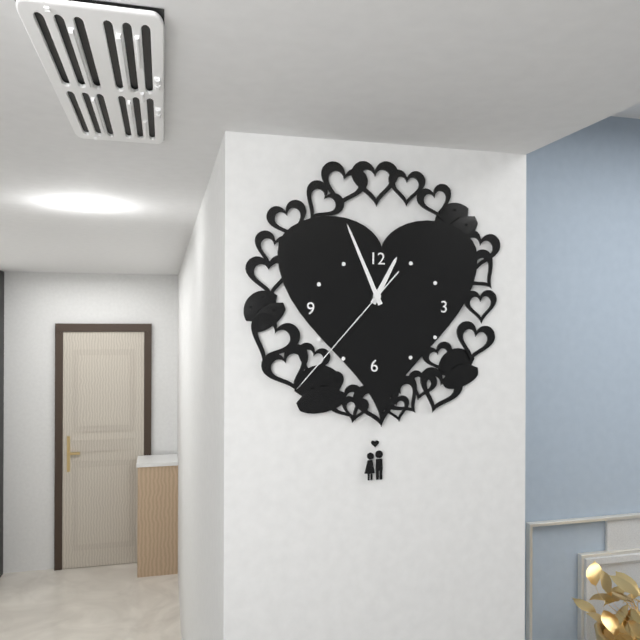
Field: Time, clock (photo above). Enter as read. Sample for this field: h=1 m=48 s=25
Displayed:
h=12 m=56 s=37
